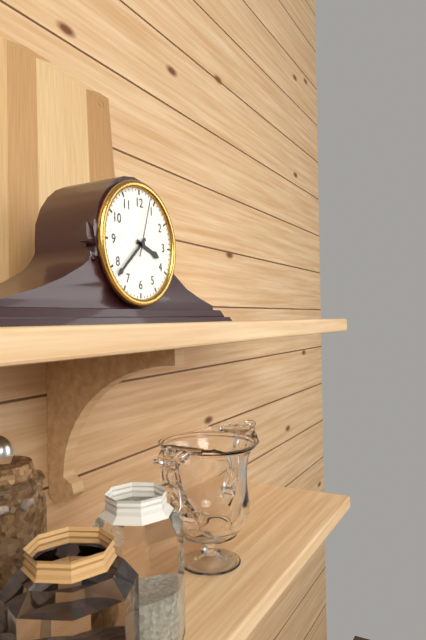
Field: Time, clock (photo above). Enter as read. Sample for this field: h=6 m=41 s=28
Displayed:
h=3 m=38 s=3
